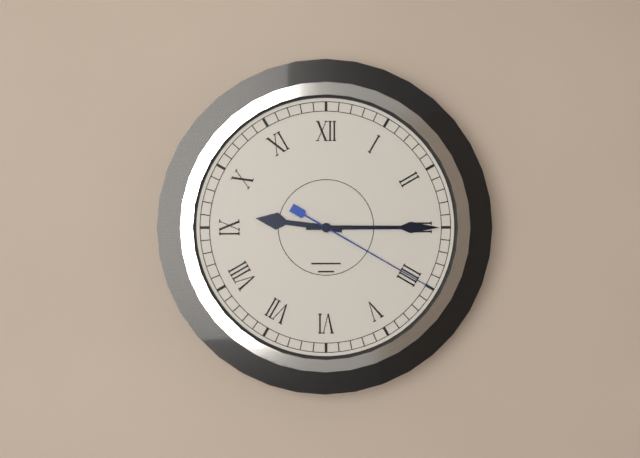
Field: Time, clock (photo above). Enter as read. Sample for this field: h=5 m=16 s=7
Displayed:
h=9 m=15 s=20
